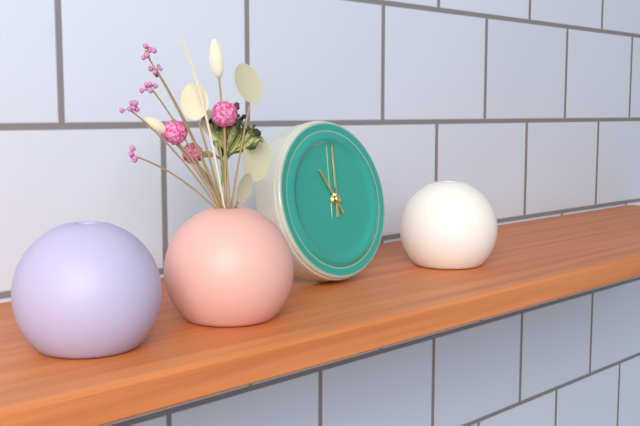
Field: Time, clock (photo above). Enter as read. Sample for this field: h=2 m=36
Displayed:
h=11 m=1
